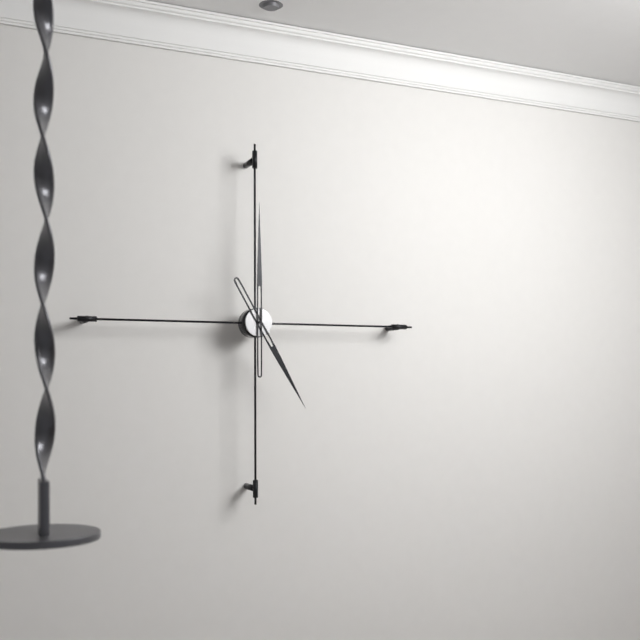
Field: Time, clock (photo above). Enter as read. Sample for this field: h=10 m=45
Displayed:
h=5 m=0
